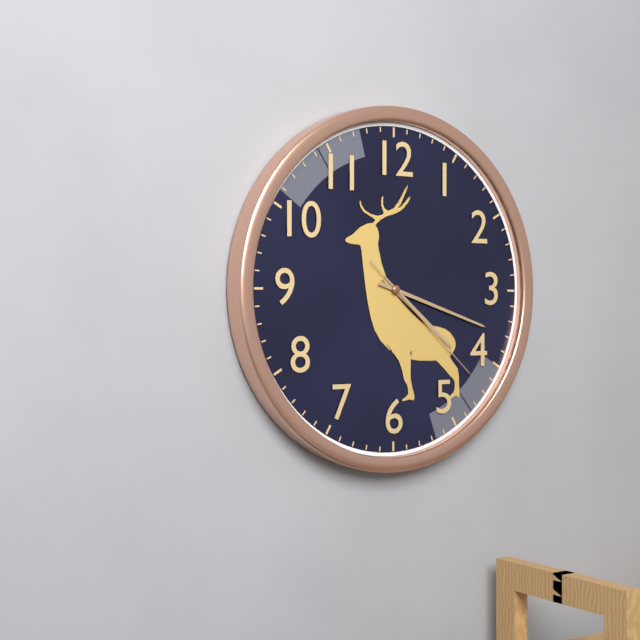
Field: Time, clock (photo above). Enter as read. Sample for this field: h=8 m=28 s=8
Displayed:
h=4 m=18 s=22
